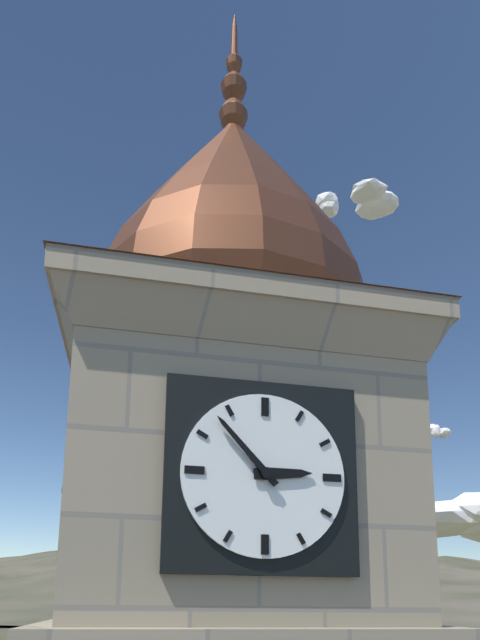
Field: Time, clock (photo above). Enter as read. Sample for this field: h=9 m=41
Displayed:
h=2 m=53
